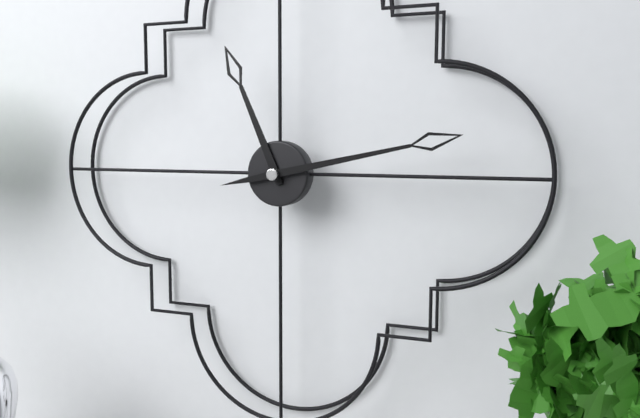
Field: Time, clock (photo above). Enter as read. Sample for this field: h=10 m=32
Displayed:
h=11 m=13
